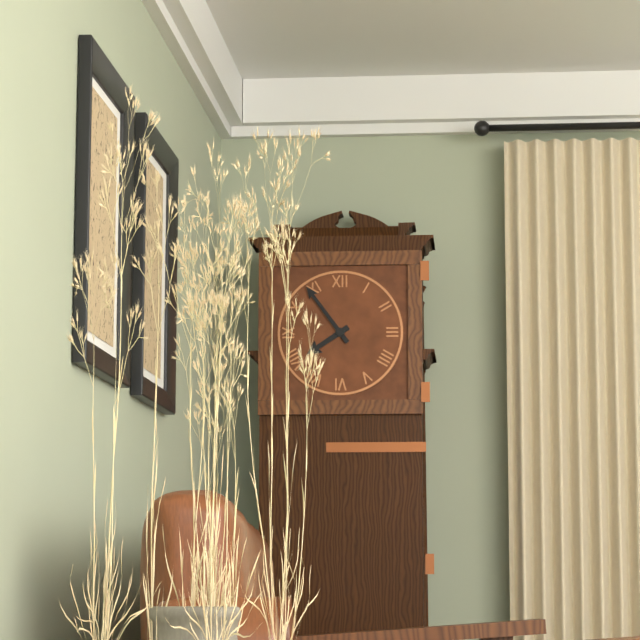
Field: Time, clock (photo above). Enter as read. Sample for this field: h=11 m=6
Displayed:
h=7 m=54
